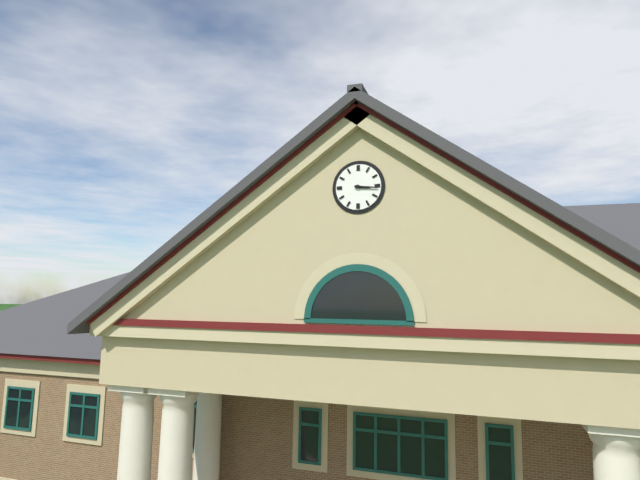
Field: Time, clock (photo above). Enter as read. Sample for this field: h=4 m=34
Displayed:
h=3 m=16
